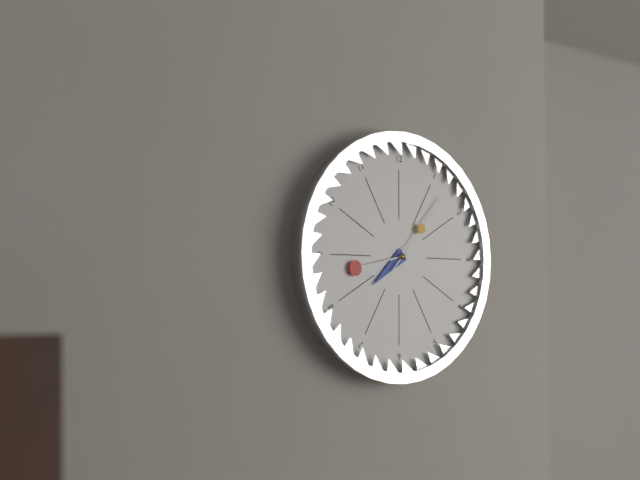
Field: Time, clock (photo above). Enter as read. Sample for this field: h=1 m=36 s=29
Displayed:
h=7 m=43 s=7
